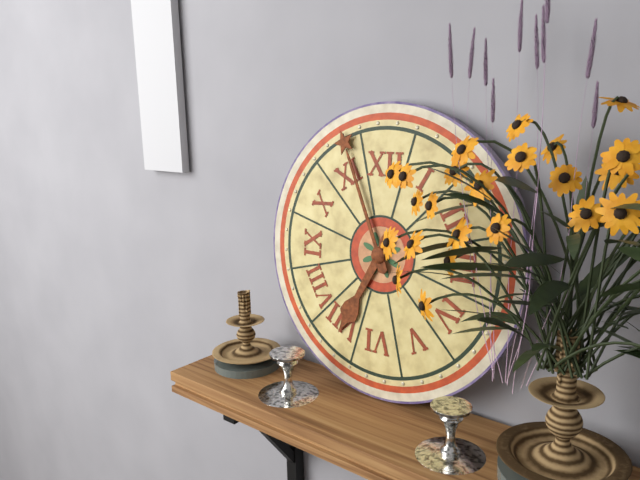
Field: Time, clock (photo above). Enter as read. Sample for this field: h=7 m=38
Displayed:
h=6 m=56
